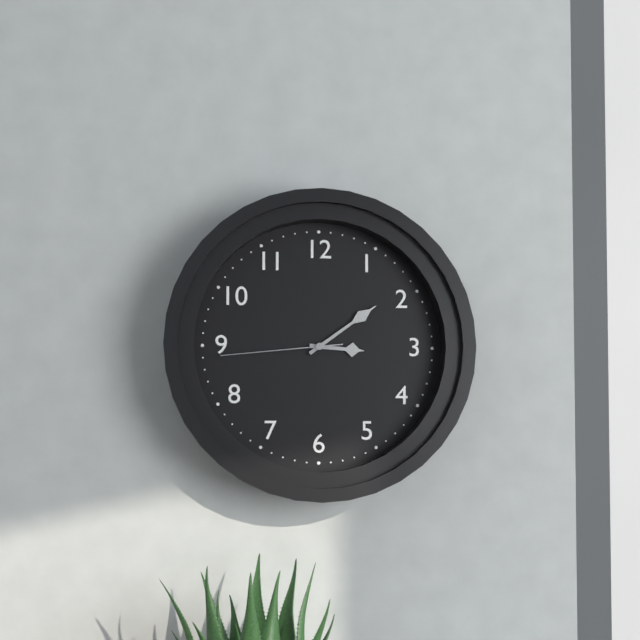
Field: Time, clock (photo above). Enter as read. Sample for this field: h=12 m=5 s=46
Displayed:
h=3 m=9 s=44
